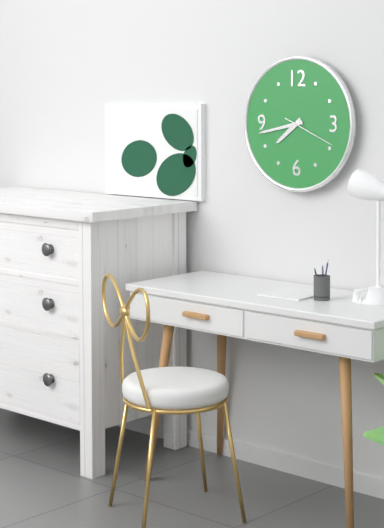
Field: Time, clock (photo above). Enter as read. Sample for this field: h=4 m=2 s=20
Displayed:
h=7 m=43 s=19
